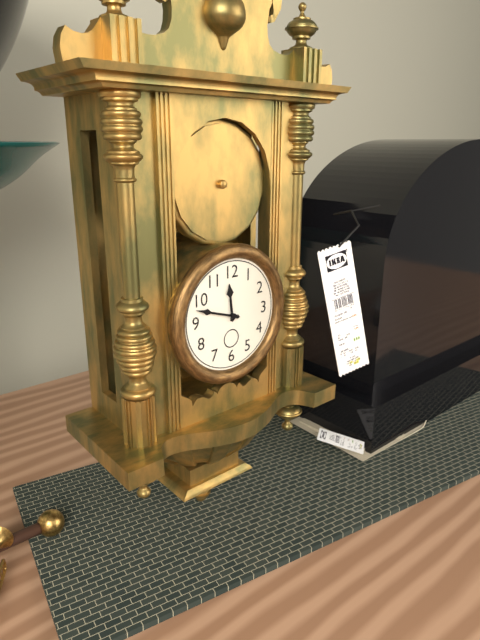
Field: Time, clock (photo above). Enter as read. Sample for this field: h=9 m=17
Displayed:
h=11 m=48
